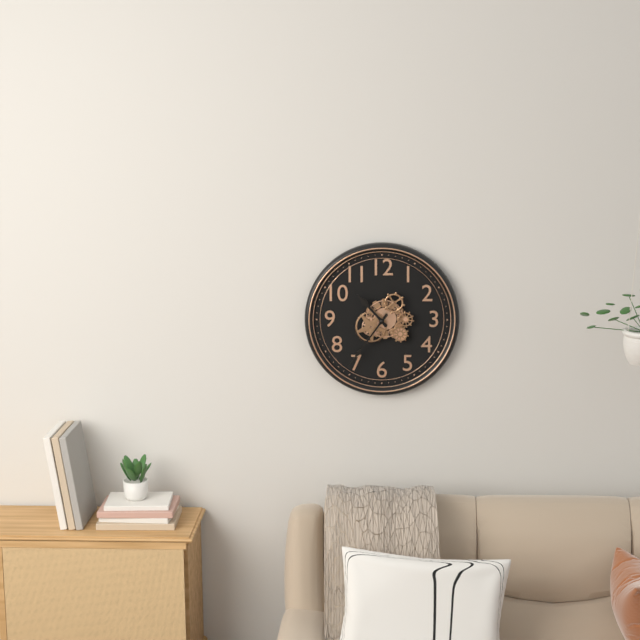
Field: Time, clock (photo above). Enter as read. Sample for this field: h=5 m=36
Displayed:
h=10 m=36
